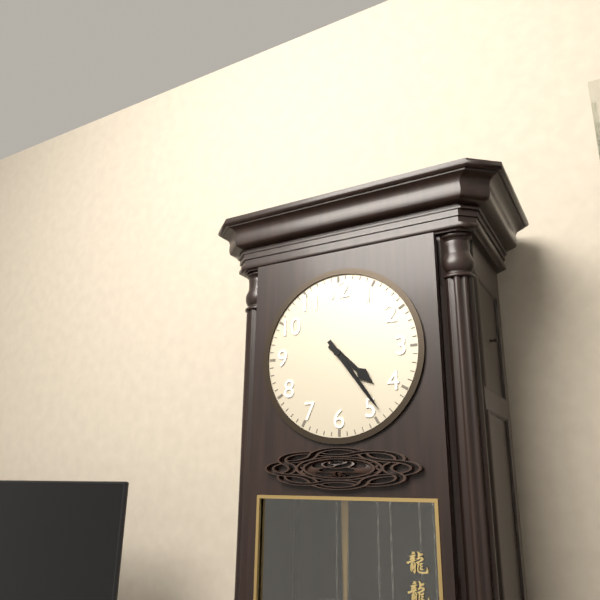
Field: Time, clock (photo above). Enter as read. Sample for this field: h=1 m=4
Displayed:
h=4 m=24
